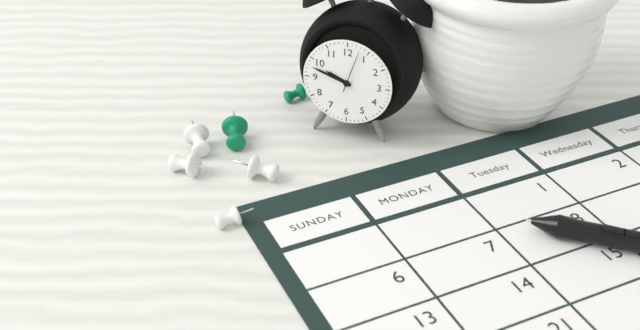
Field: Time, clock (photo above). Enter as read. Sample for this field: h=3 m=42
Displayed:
h=9 m=48
